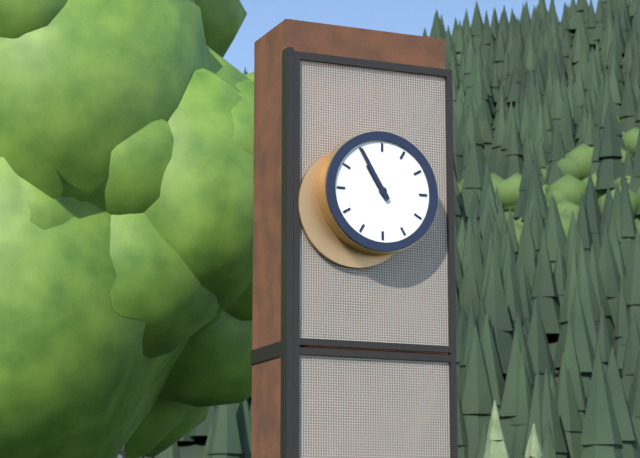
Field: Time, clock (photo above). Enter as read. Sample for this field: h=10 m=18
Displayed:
h=10 m=55
